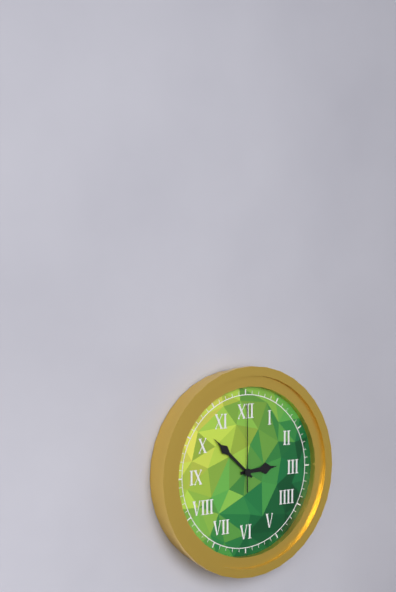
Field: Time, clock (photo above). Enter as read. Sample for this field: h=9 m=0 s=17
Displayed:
h=2 m=52 s=0
